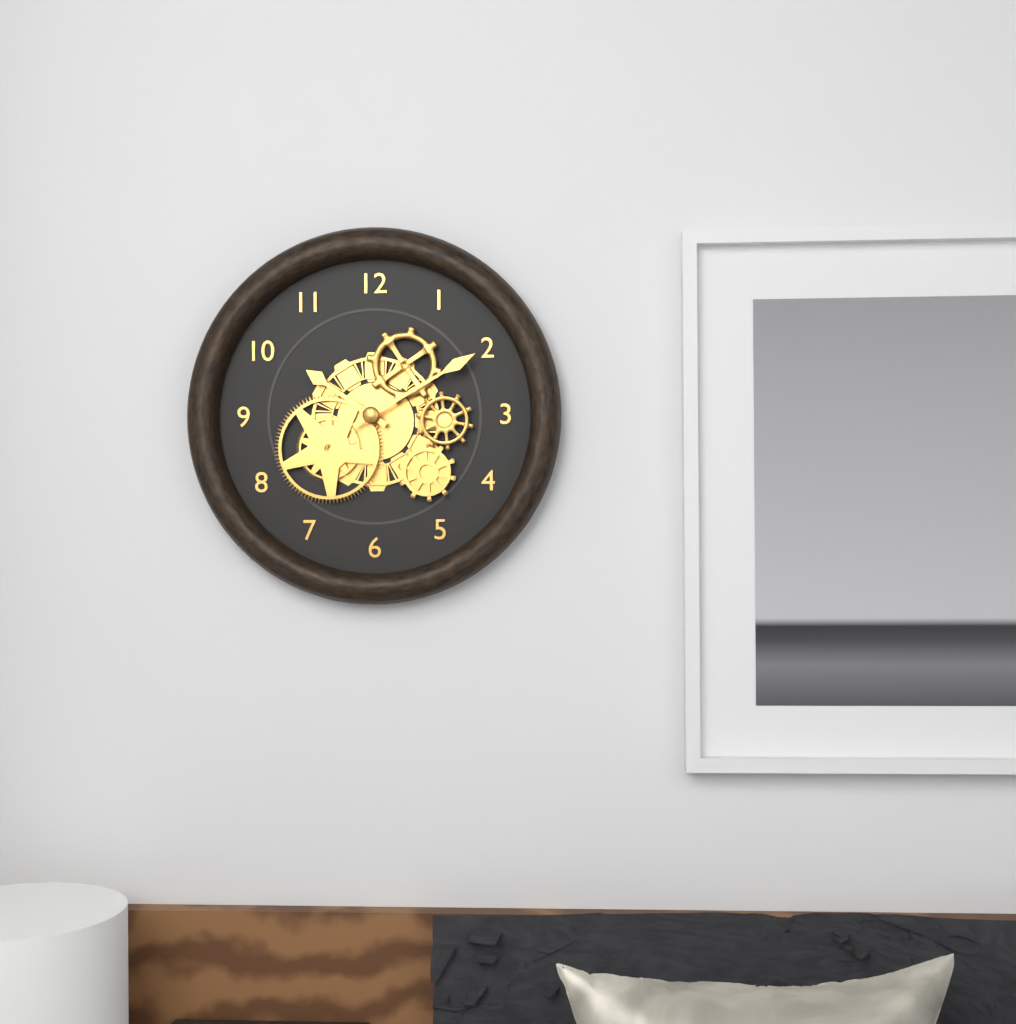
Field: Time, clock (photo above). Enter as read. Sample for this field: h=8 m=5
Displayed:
h=10 m=10
